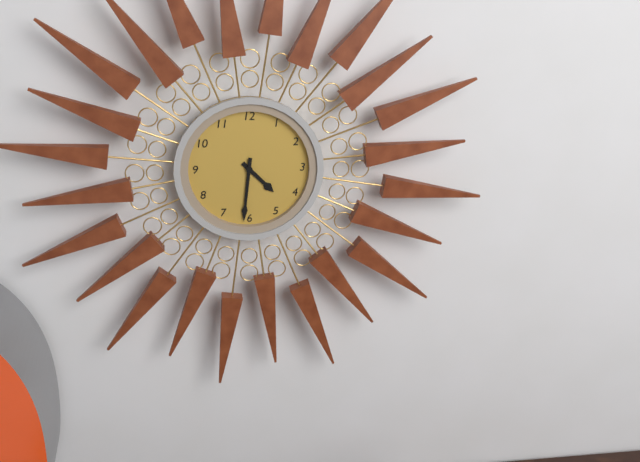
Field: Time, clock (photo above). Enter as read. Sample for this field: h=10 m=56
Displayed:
h=4 m=31
